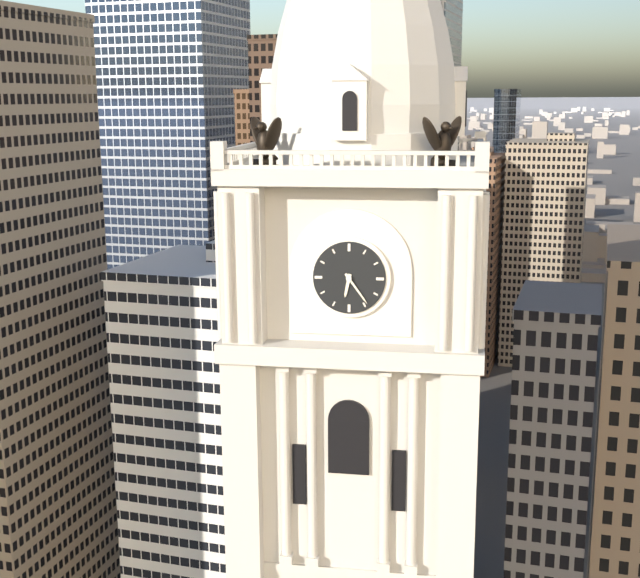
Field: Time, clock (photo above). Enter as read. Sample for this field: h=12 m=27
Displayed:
h=6 m=24
